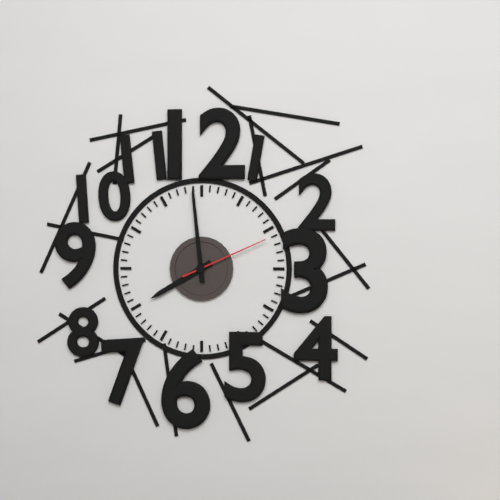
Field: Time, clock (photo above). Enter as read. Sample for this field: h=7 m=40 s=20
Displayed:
h=7 m=59 s=11
